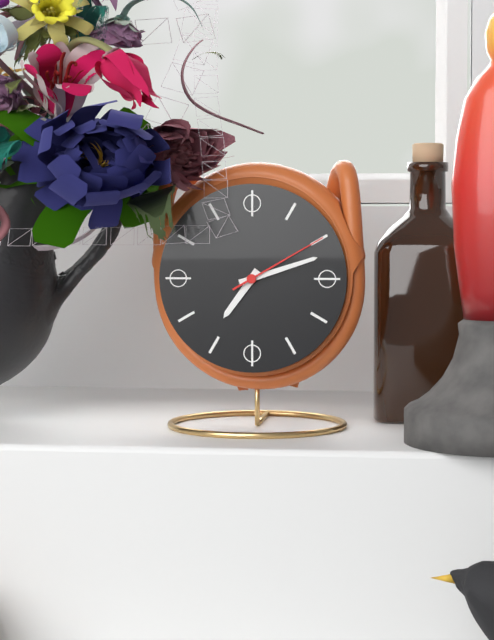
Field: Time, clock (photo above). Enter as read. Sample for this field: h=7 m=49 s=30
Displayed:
h=7 m=12 s=10
